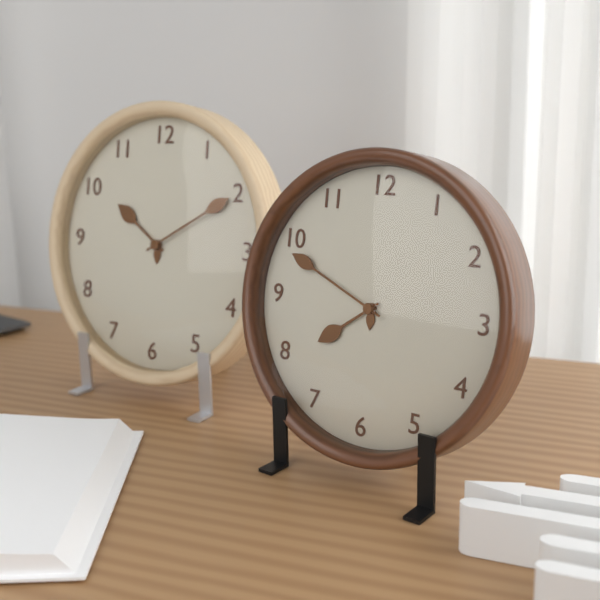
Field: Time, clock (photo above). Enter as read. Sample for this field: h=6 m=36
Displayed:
h=7 m=49
